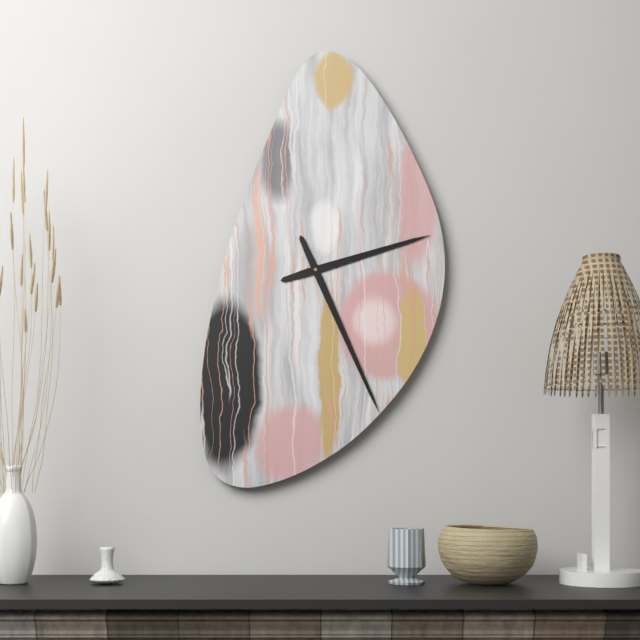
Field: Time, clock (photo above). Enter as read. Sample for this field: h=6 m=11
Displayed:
h=2 m=26
